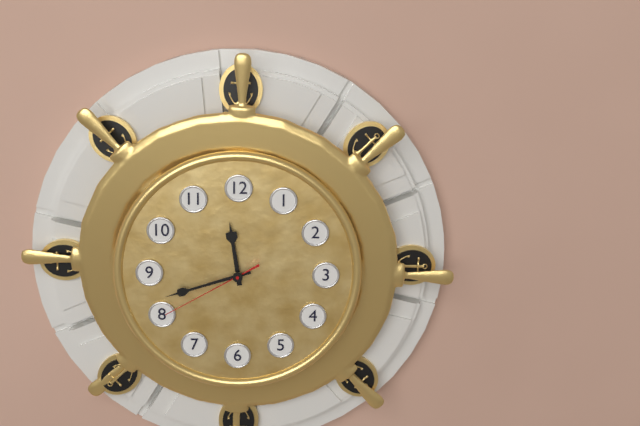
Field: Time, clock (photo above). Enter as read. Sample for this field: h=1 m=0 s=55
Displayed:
h=11 m=42 s=40
